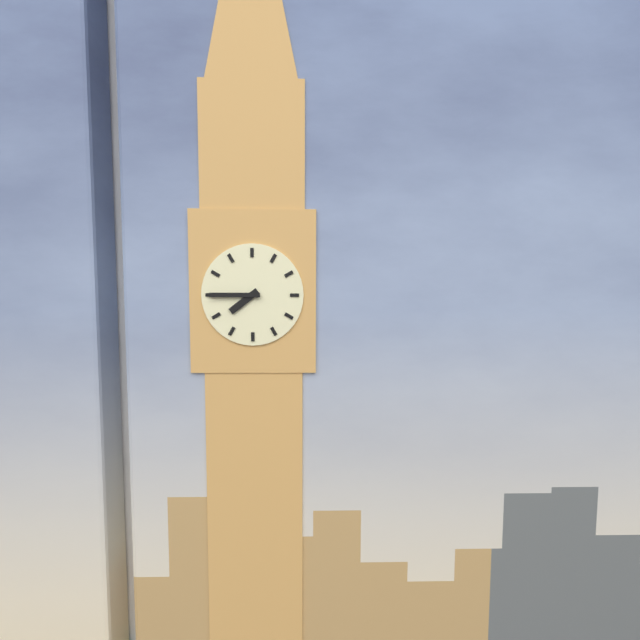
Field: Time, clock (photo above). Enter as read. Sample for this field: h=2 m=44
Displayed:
h=7 m=45
